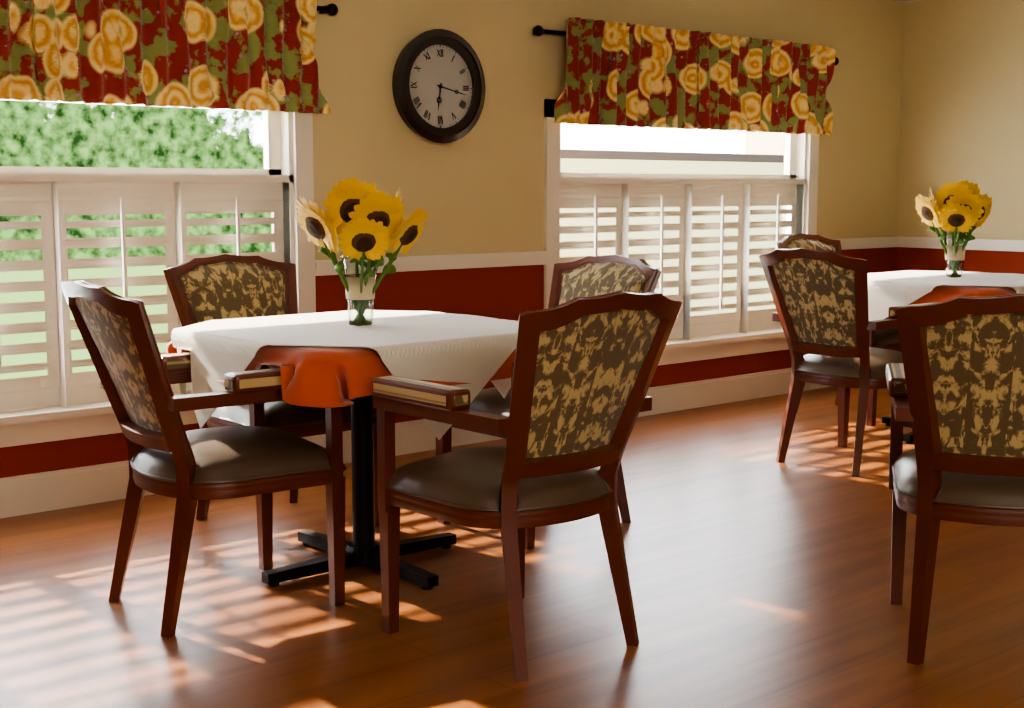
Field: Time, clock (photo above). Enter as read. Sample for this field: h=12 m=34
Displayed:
h=6 m=17
